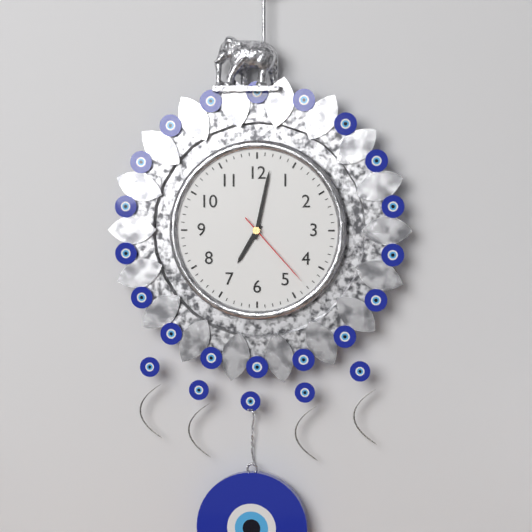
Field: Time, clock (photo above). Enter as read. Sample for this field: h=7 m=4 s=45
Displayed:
h=7 m=2 s=23
